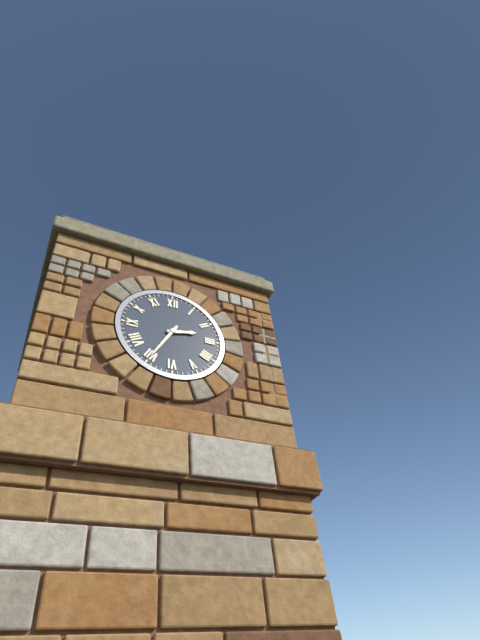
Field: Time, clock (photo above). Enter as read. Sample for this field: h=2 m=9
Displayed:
h=2 m=35
